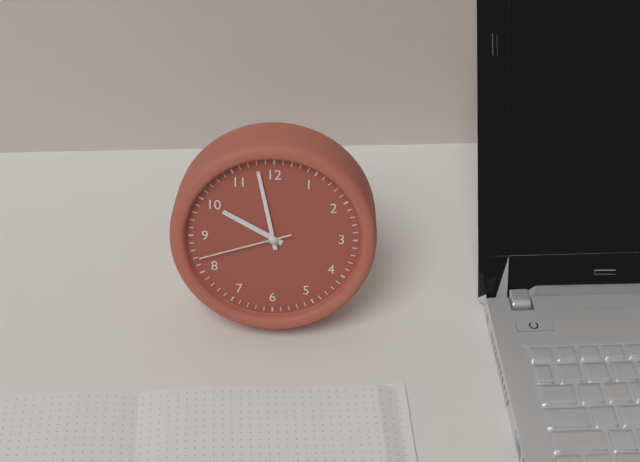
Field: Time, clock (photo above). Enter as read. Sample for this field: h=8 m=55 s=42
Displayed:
h=9 m=58 s=42
